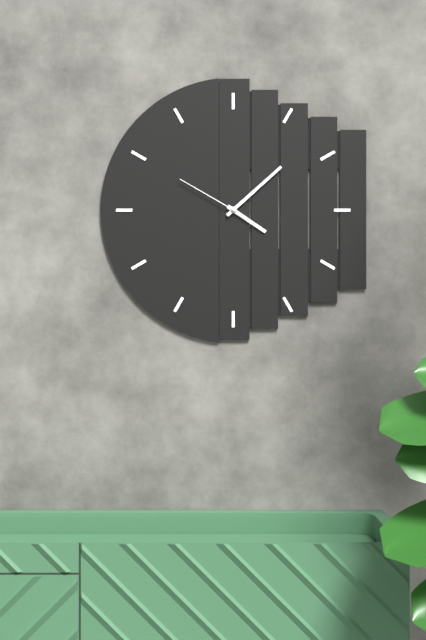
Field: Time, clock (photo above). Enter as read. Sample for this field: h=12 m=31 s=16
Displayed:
h=4 m=8 s=50
